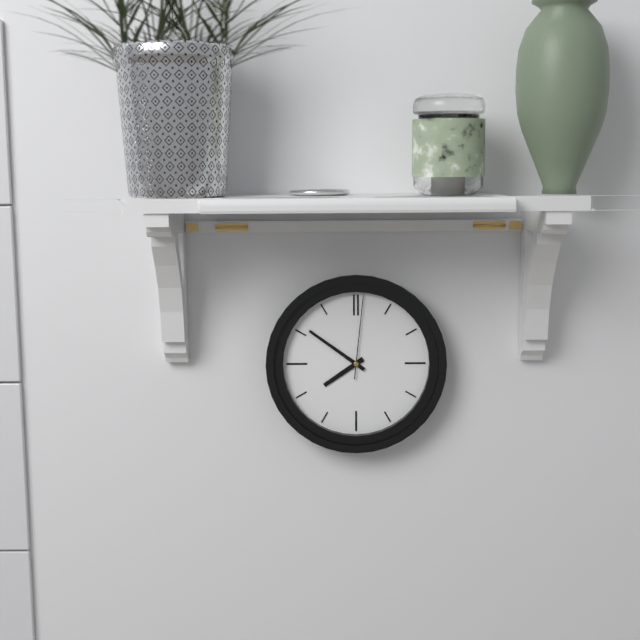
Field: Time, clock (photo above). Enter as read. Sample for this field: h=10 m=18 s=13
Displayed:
h=7 m=51 s=1
